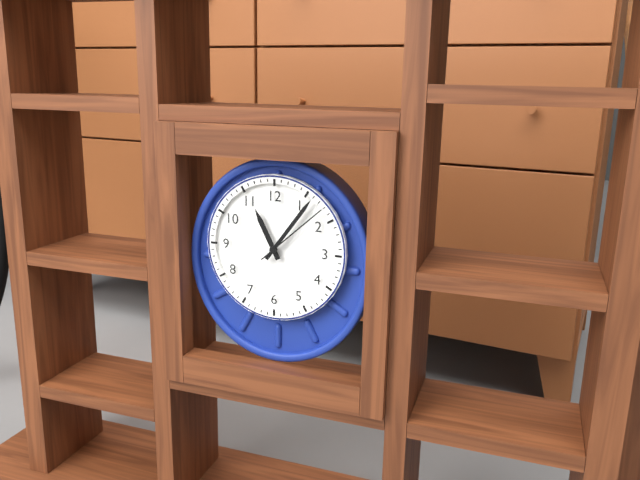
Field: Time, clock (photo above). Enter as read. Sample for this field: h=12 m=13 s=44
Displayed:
h=11 m=6 s=8
